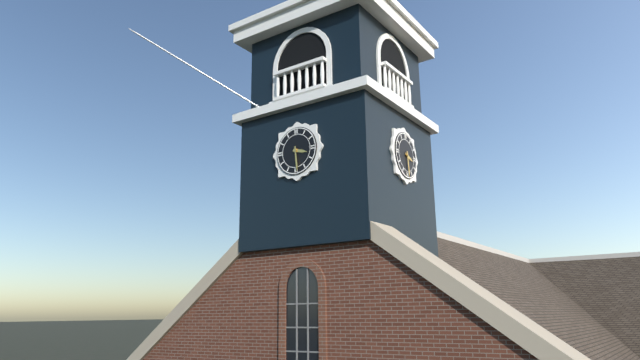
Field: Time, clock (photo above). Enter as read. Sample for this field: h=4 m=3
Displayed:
h=3 m=29
